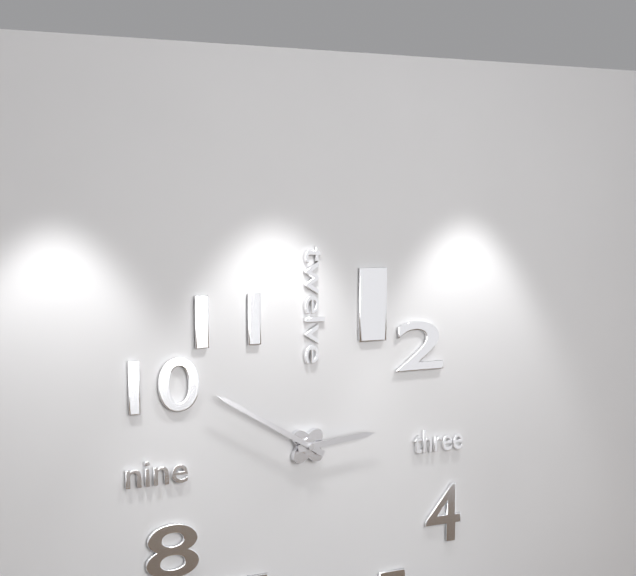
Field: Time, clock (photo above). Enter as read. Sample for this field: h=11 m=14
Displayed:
h=2 m=50
